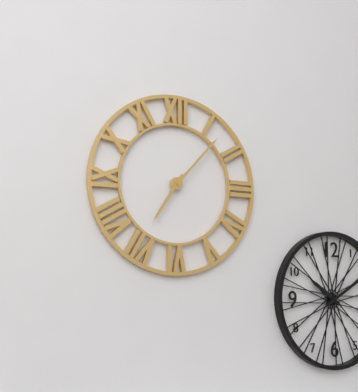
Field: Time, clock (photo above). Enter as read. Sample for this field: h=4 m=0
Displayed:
h=7 m=7
